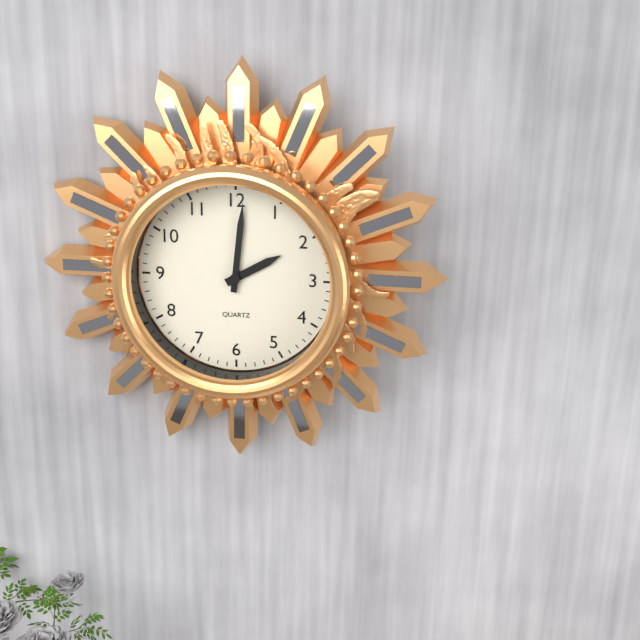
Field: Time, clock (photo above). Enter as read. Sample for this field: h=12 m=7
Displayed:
h=2 m=1
